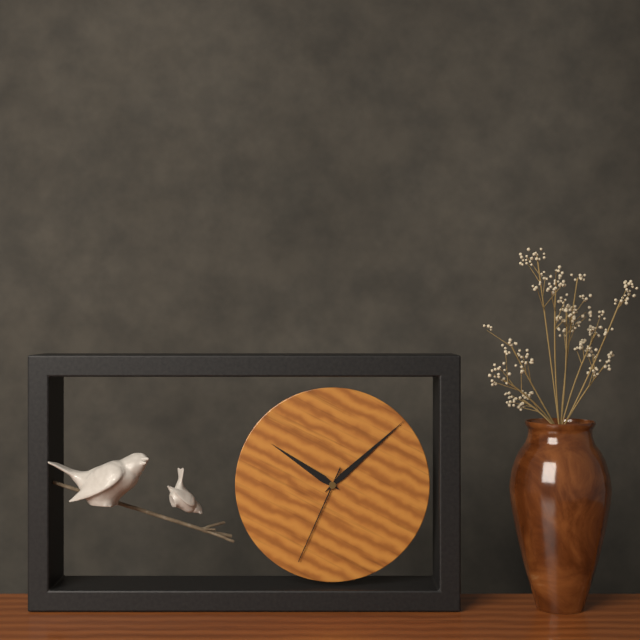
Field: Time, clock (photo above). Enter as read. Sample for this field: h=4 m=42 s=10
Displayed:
h=10 m=8 s=34
